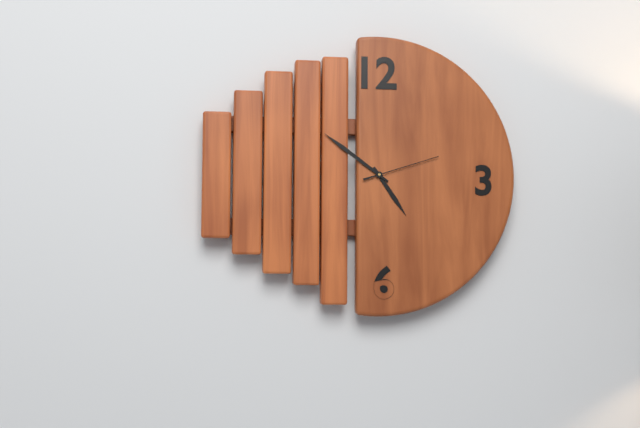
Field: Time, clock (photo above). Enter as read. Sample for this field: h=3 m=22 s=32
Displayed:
h=4 m=51 s=12
